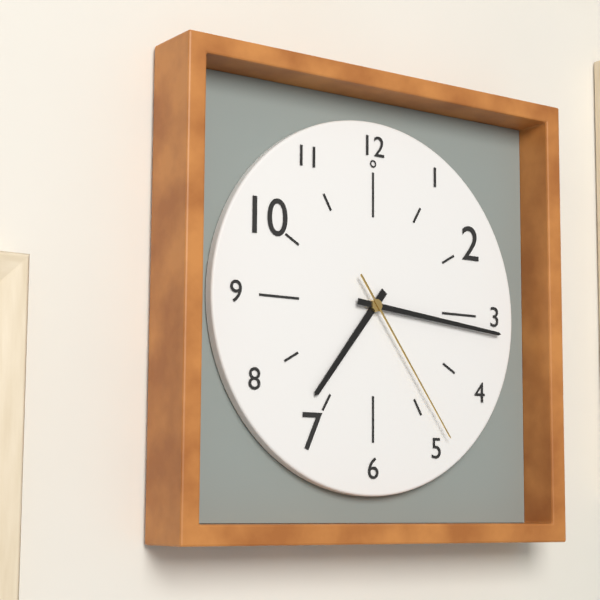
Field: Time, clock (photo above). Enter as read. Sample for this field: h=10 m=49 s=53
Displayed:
h=7 m=16 s=24
